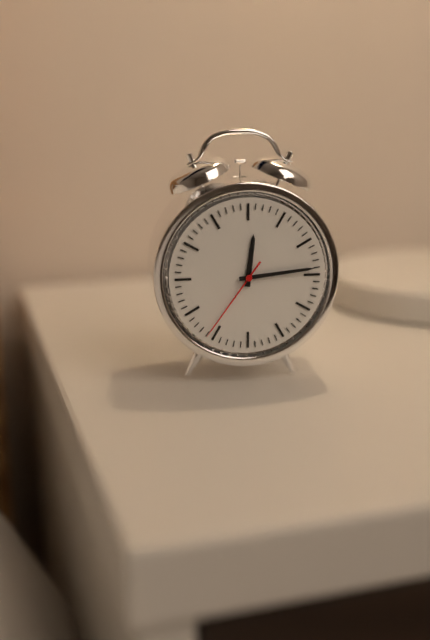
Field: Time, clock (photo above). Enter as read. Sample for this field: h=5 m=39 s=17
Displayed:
h=12 m=14 s=36
